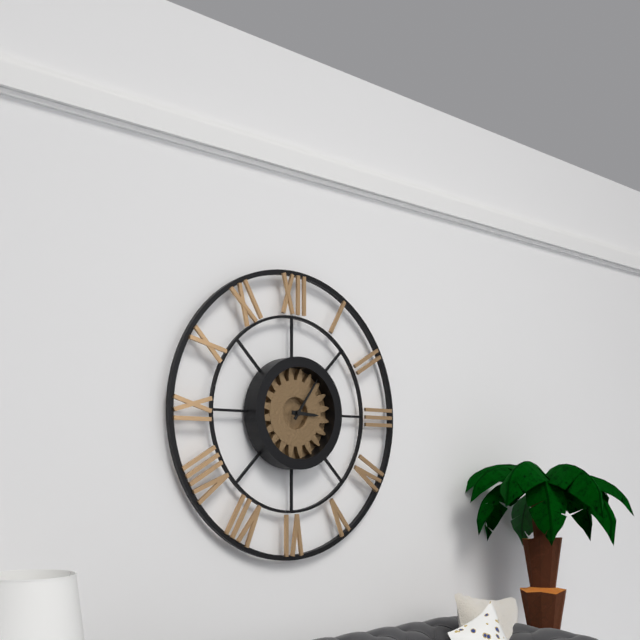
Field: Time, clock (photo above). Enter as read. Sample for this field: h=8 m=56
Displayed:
h=3 m=6
